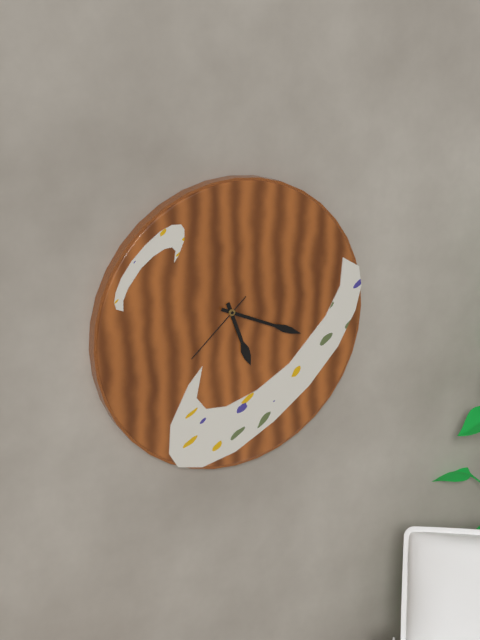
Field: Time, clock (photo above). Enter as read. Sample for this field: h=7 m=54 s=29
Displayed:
h=5 m=19 s=38
